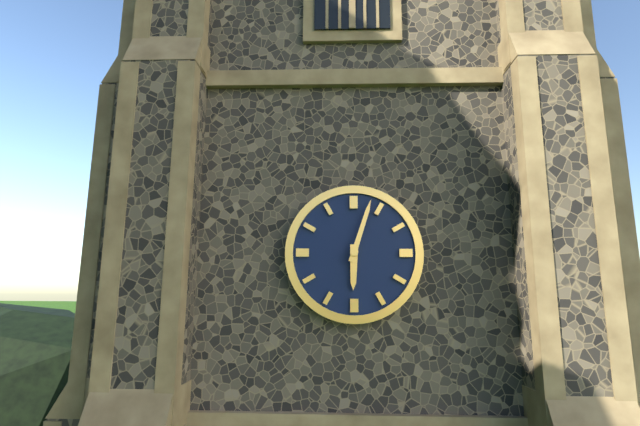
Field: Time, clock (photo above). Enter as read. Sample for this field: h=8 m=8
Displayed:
h=6 m=3
